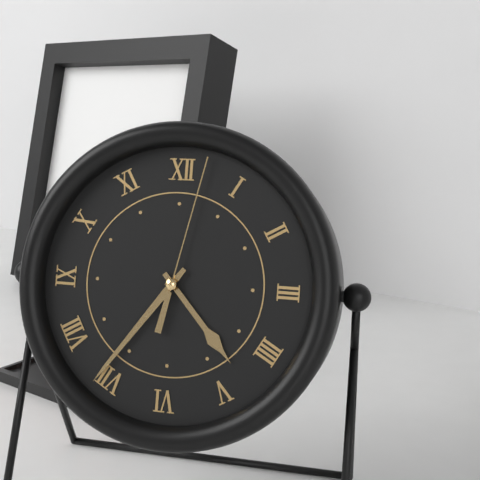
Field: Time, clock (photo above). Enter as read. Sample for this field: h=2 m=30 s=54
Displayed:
h=4 m=36 s=2
